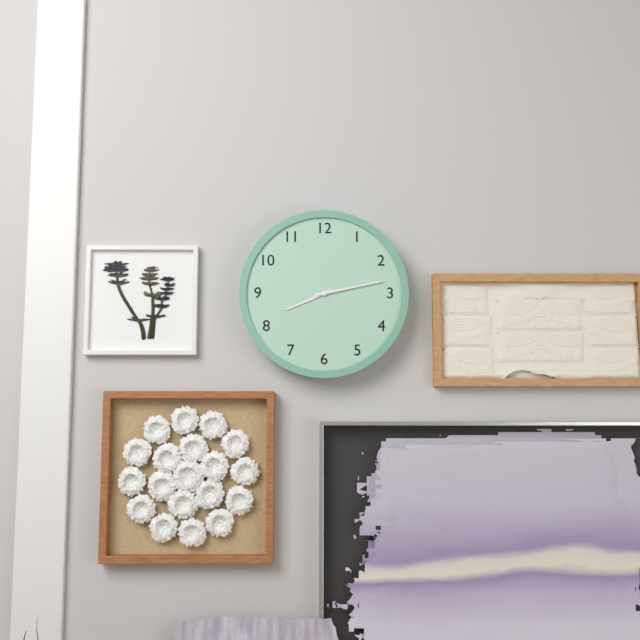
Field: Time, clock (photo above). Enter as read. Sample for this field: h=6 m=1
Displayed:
h=8 m=13
